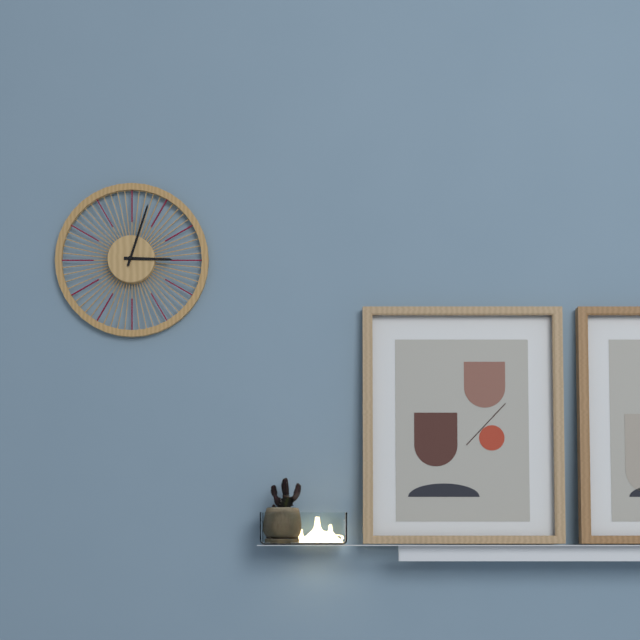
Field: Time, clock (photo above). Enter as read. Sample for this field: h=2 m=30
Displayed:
h=3 m=3
